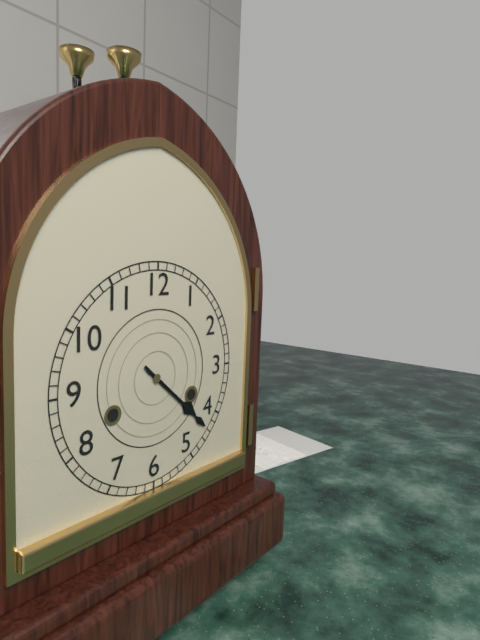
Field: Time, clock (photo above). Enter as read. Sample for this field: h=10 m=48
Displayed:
h=4 m=22
